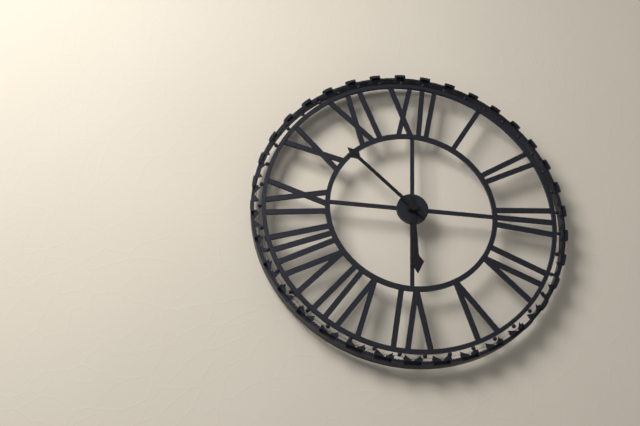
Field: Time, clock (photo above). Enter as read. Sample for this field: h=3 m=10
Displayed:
h=5 m=52
